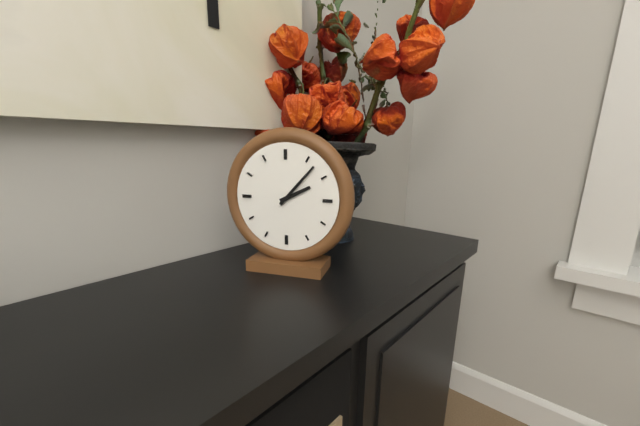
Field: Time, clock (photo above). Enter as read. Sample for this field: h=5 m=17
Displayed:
h=2 m=7
